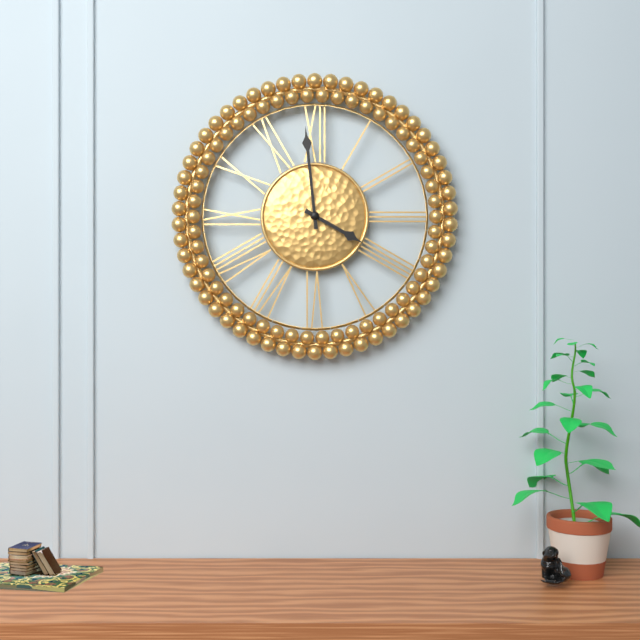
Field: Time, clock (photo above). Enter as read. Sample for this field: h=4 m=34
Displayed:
h=3 m=59
